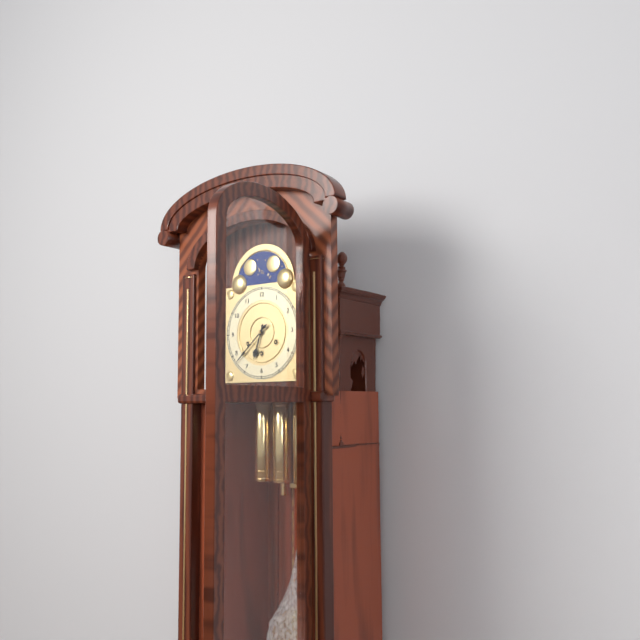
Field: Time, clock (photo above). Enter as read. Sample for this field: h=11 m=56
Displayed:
h=6 m=38
